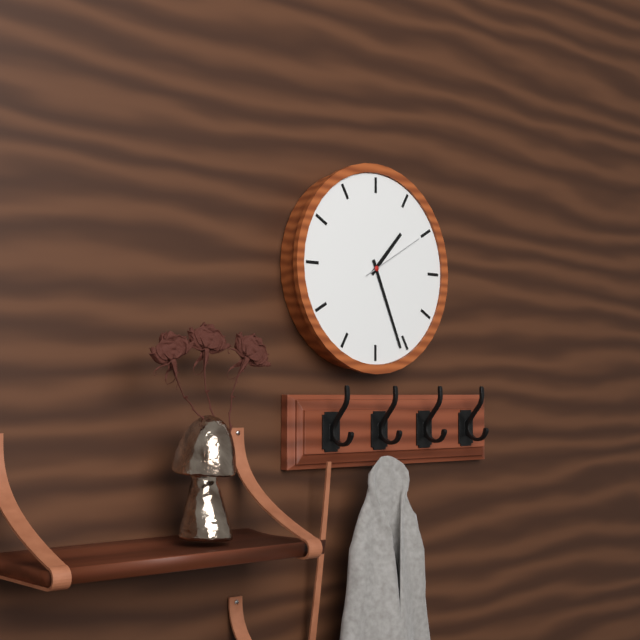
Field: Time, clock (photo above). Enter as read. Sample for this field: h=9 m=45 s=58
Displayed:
h=1 m=26 s=10
